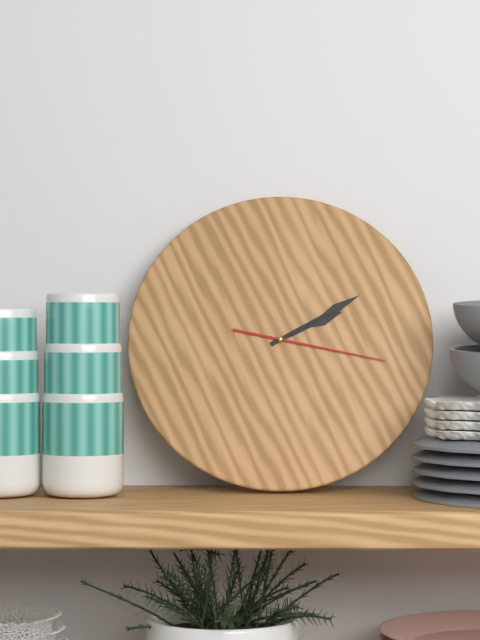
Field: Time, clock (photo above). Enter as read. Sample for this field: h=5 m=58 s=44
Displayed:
h=2 m=10 s=17
